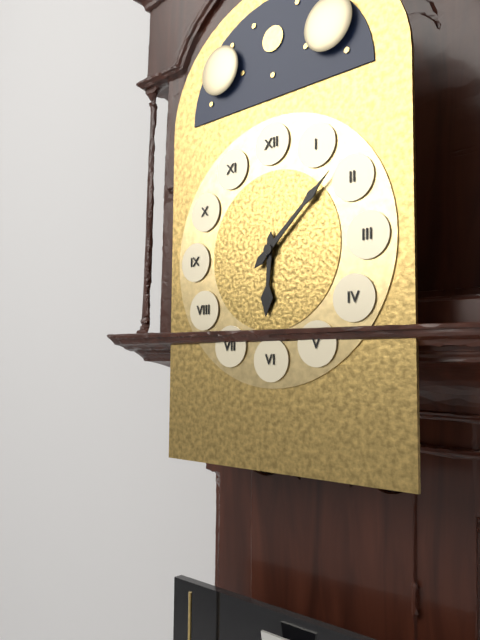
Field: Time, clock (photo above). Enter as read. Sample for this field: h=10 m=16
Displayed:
h=6 m=8
